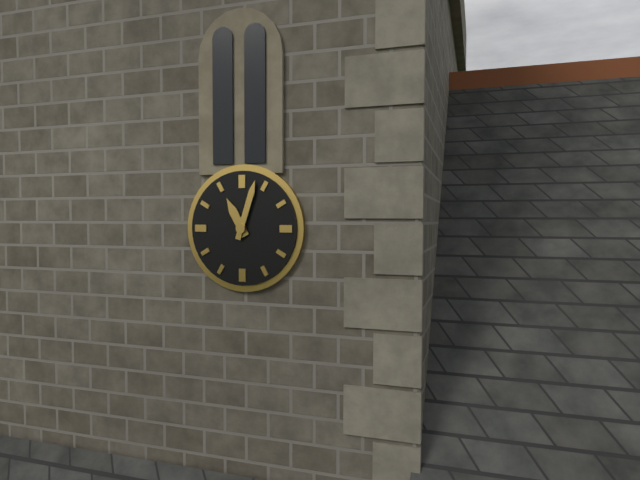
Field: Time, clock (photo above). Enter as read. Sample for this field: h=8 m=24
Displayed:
h=11 m=3
